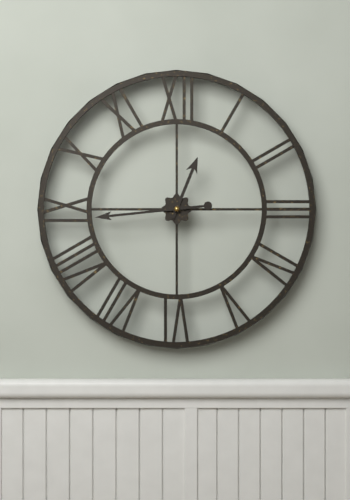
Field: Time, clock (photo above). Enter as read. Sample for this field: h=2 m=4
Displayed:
h=12 m=44
